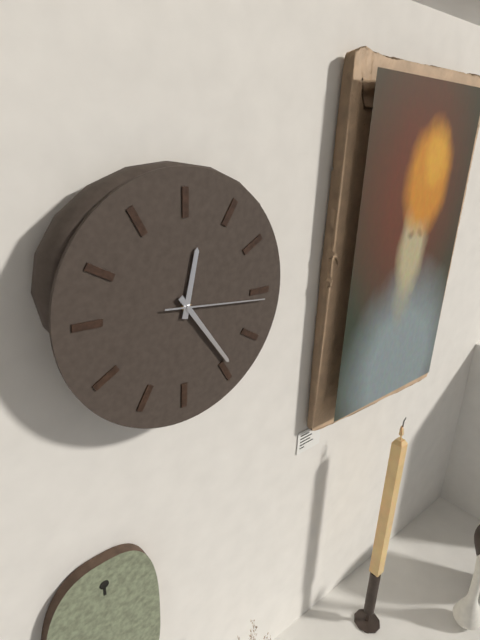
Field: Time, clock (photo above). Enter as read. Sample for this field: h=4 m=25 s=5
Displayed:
h=12 m=24 s=16
